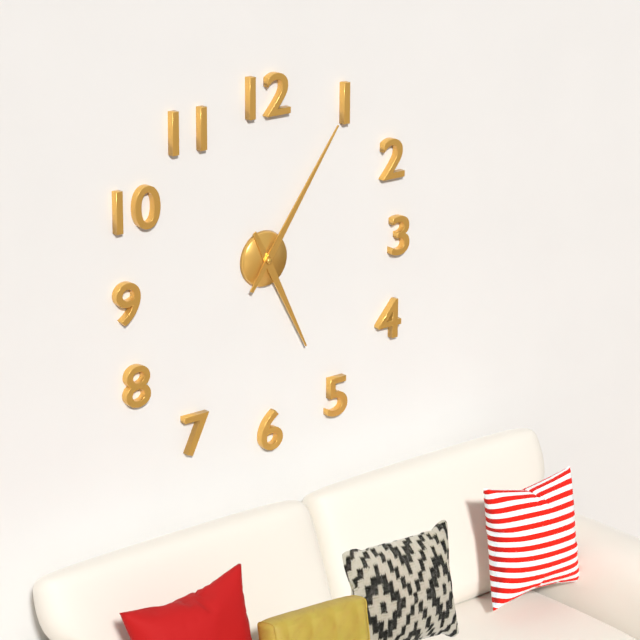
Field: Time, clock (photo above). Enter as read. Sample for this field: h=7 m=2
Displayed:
h=5 m=6
